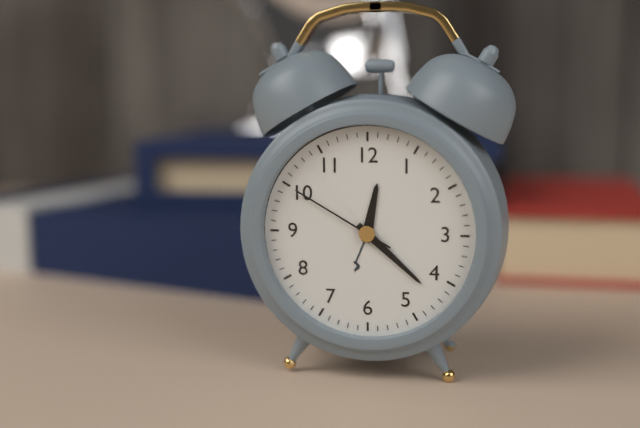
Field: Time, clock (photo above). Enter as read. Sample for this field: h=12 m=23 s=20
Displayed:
h=12 m=22 s=50
